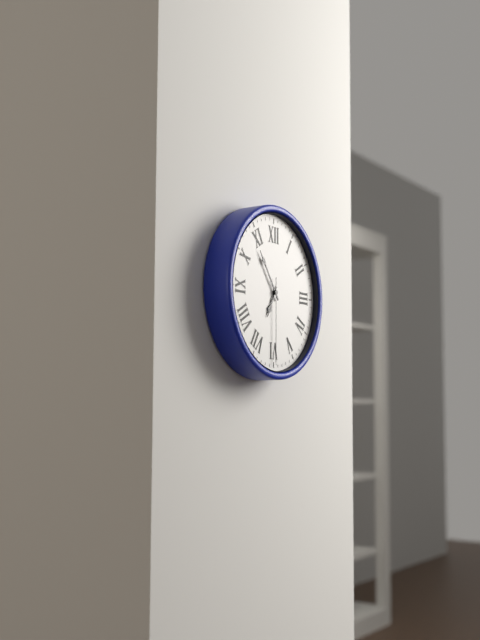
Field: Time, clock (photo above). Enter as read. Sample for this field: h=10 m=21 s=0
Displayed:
h=6 m=54 s=30
